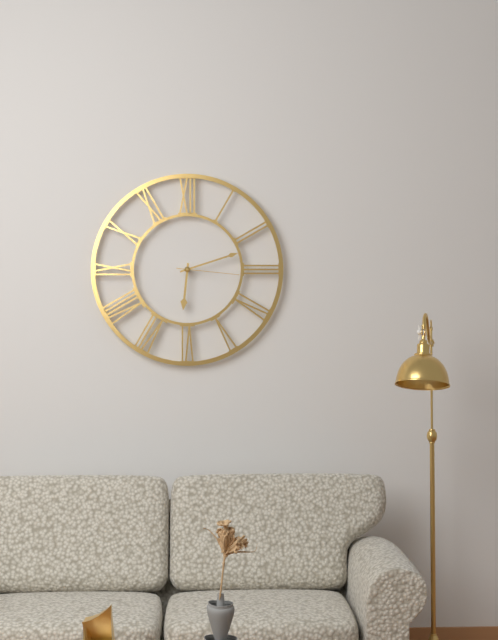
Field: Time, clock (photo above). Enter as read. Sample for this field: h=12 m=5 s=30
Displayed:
h=6 m=12 s=16
